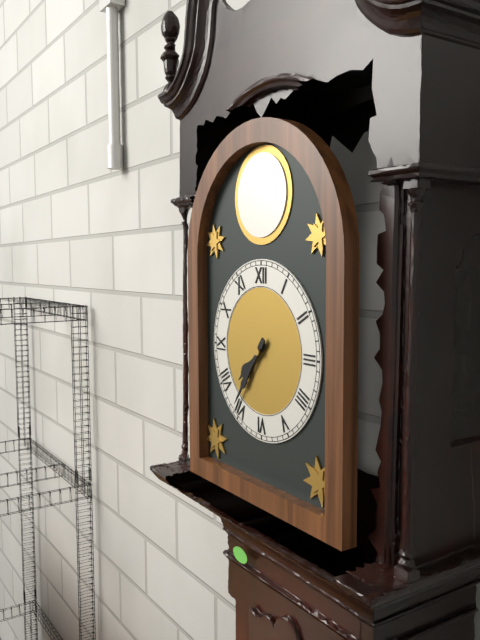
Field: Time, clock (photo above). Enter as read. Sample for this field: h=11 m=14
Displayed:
h=7 m=36
